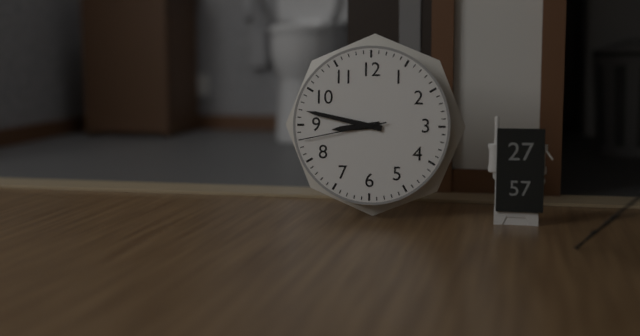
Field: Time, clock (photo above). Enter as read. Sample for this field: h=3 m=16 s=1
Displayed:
h=8 m=47 s=43
